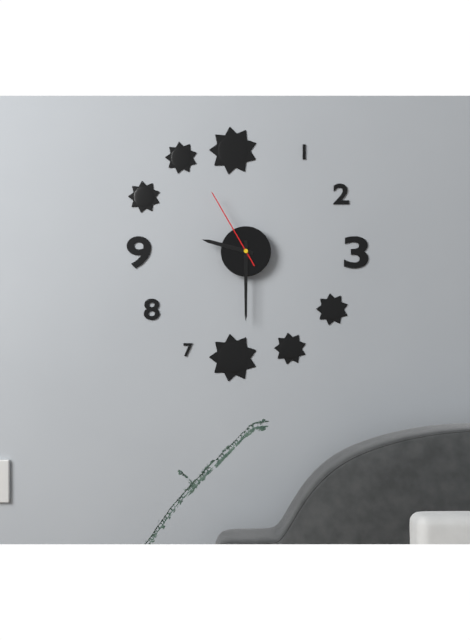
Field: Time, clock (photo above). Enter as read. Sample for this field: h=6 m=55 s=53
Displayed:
h=9 m=30 s=55
